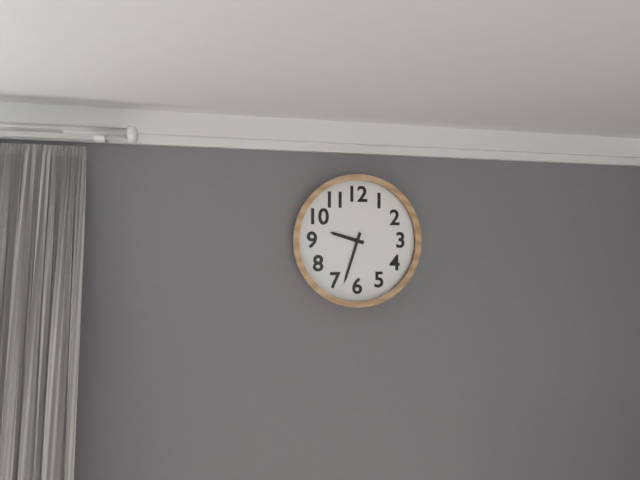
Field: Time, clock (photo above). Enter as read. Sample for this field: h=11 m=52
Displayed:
h=9 m=33
